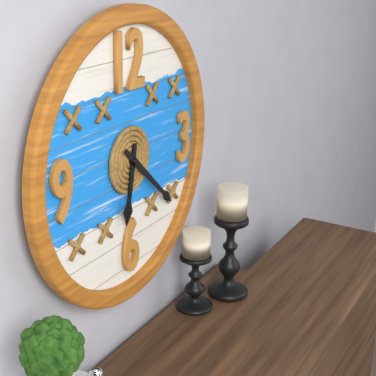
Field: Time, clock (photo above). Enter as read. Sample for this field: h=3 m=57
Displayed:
h=6 m=22
